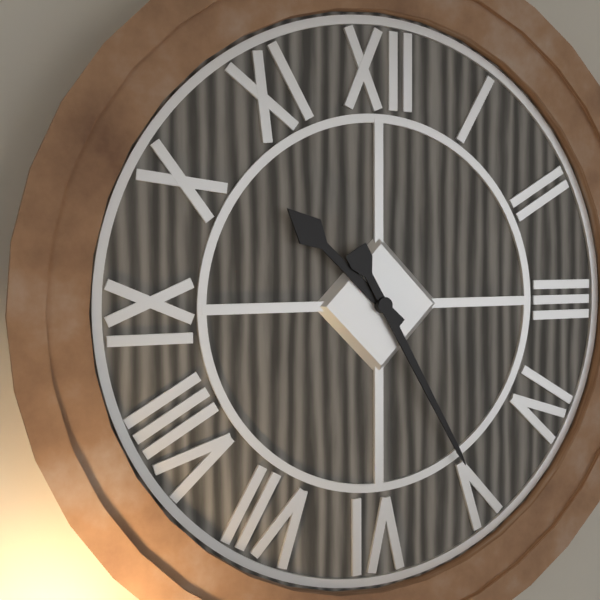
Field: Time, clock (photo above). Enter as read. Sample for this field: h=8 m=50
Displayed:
h=10 m=25
